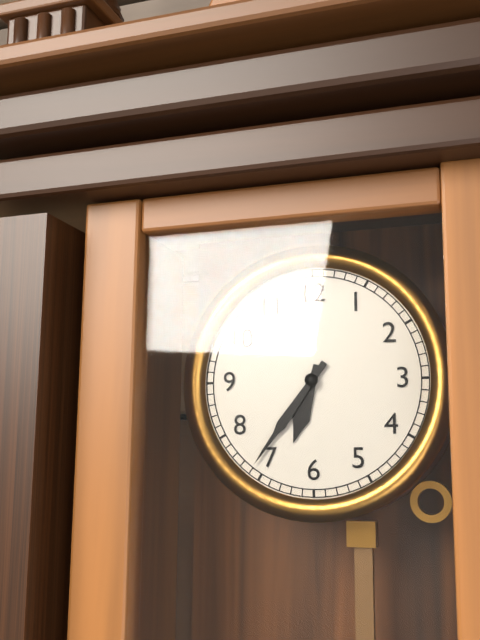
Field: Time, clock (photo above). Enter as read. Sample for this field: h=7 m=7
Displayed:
h=6 m=36
